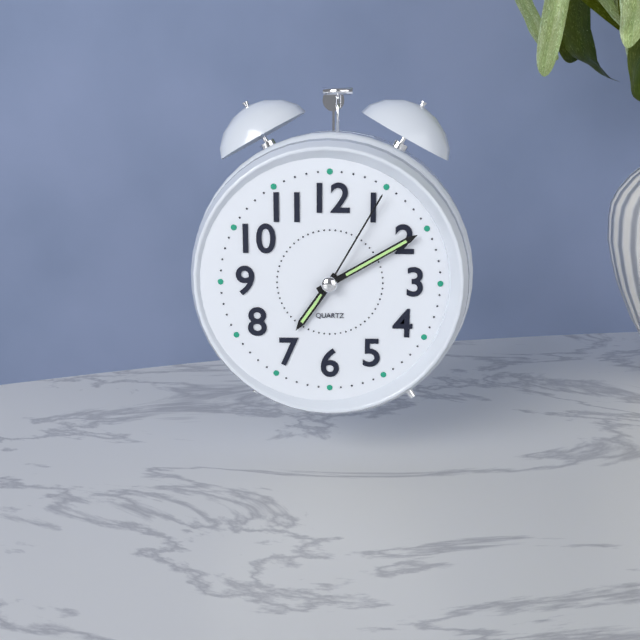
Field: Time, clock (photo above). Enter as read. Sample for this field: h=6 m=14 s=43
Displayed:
h=7 m=10 s=5
